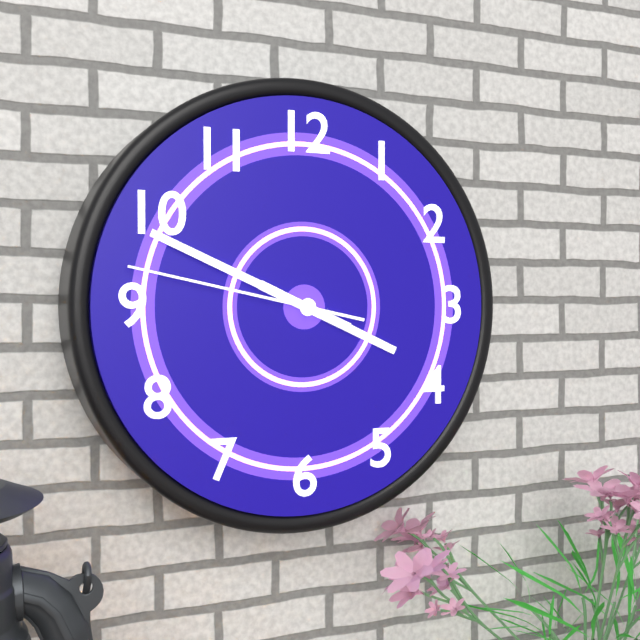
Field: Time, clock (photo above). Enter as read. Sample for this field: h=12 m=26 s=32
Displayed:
h=3 m=49 s=47
